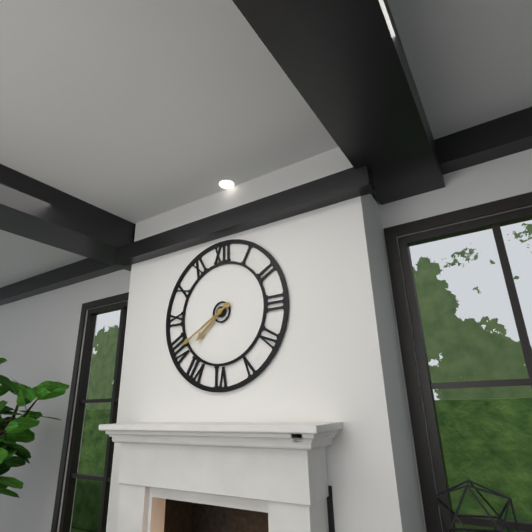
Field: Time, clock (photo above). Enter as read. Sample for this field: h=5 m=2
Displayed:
h=7 m=40
